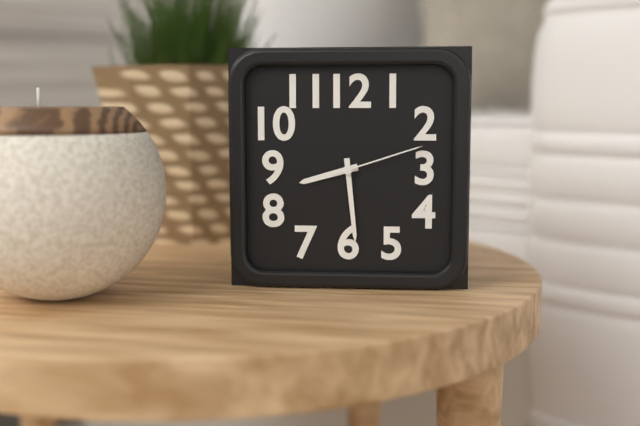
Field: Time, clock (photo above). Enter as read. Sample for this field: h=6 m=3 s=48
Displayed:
h=8 m=29 s=12
